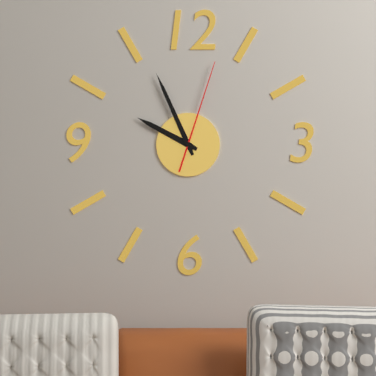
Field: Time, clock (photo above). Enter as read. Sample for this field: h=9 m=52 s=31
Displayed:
h=9 m=56 s=3
